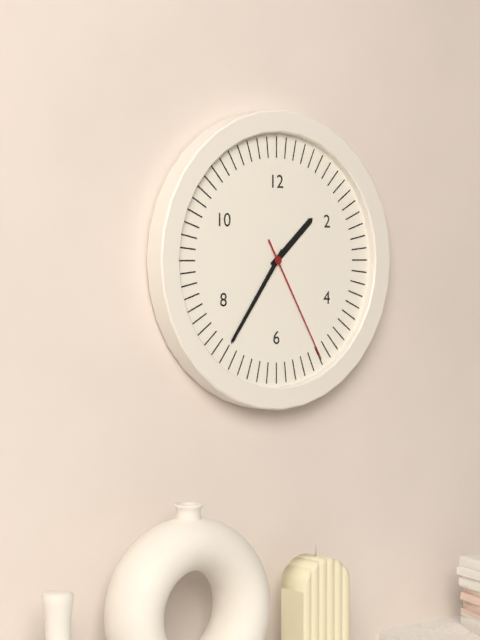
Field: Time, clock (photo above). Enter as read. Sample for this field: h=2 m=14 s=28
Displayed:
h=1 m=36 s=25
